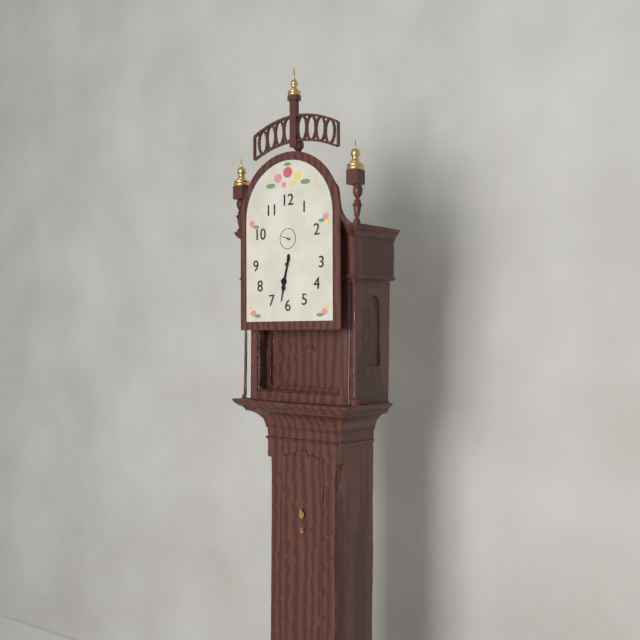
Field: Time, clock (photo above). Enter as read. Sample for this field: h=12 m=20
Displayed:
h=6 m=32
